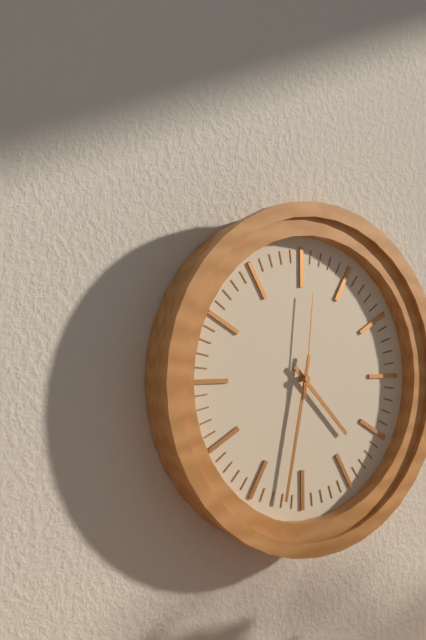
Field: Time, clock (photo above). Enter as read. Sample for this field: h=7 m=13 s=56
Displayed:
h=4 m=32 s=1
